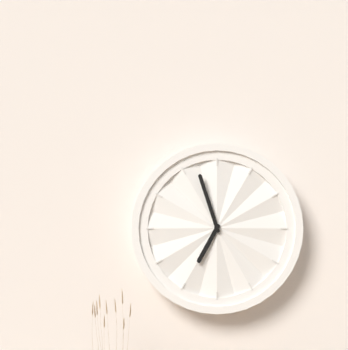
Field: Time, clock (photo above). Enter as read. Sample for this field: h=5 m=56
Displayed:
h=6 m=57
